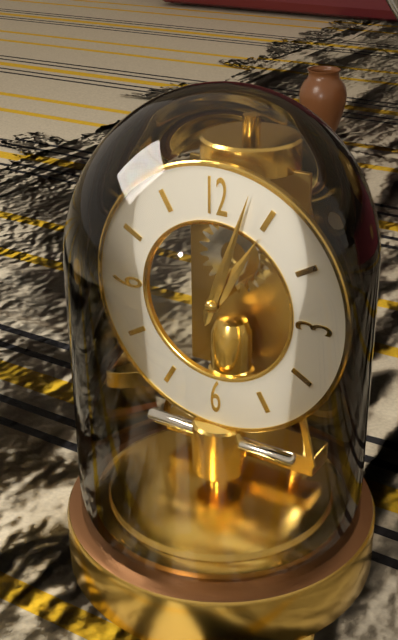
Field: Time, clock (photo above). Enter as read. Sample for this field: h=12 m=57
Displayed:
h=1 m=3
